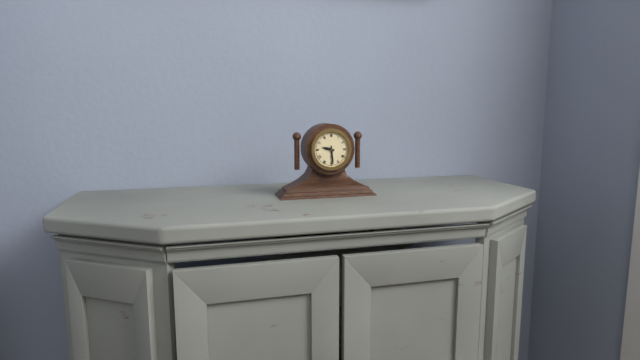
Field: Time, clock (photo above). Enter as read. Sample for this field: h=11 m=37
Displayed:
h=9 m=29
